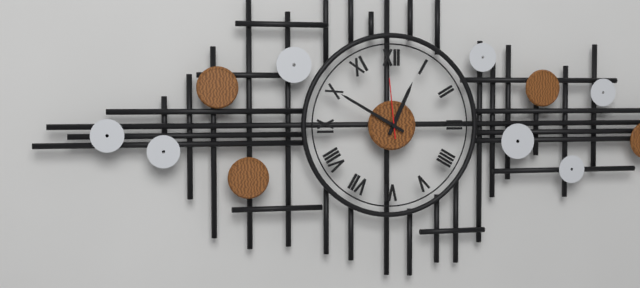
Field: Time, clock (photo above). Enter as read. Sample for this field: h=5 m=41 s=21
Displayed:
h=12 m=50 s=59
